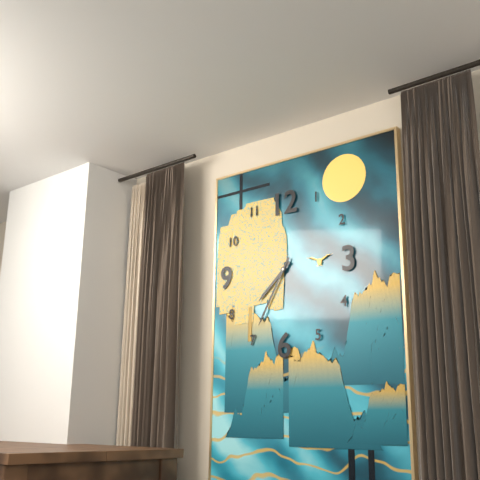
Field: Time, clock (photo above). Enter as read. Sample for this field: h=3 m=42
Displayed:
h=7 m=35
